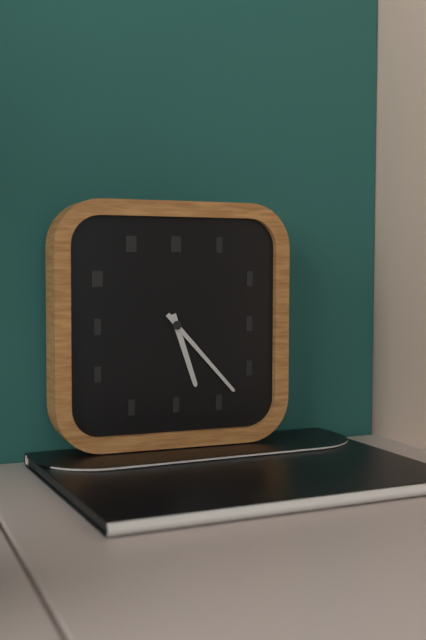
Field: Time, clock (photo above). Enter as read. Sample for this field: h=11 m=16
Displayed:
h=5 m=23
